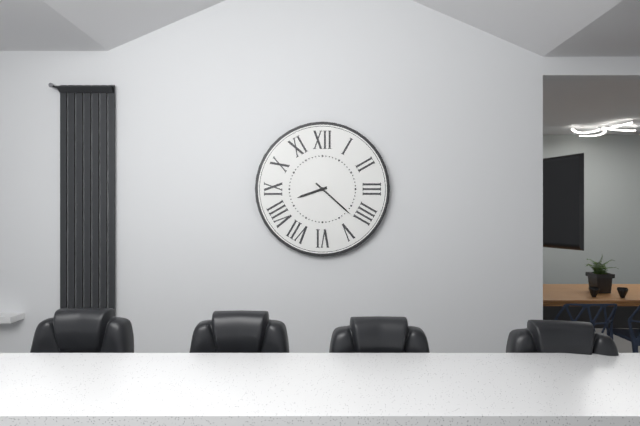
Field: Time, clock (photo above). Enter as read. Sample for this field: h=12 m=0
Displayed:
h=8 m=22
